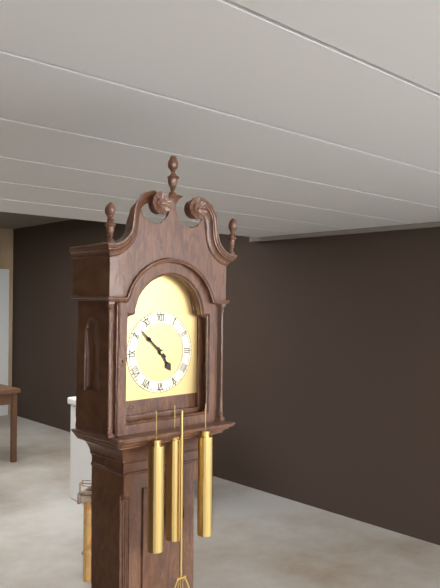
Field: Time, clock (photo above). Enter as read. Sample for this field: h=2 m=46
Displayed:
h=4 m=52
